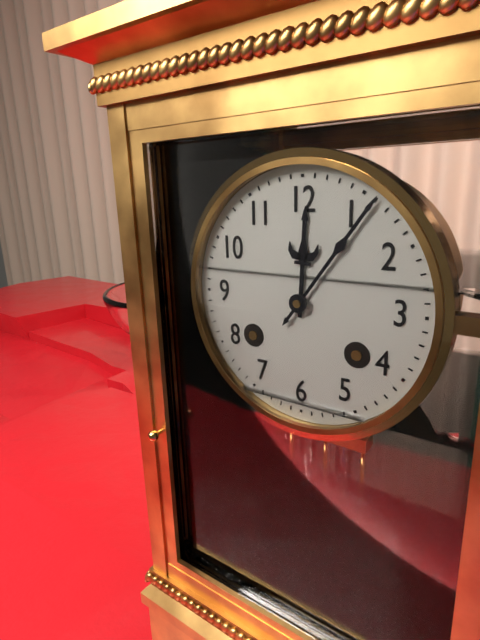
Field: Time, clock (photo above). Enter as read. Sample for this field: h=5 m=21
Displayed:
h=12 m=6
